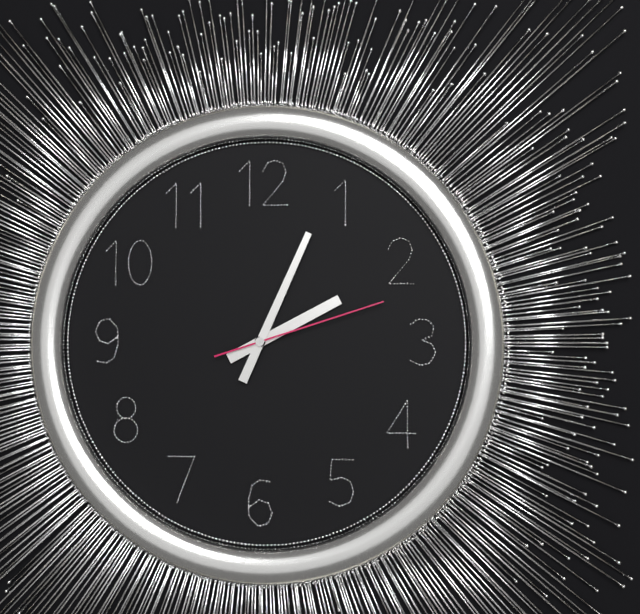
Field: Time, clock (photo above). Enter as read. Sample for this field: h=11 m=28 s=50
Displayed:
h=2 m=4 s=12
